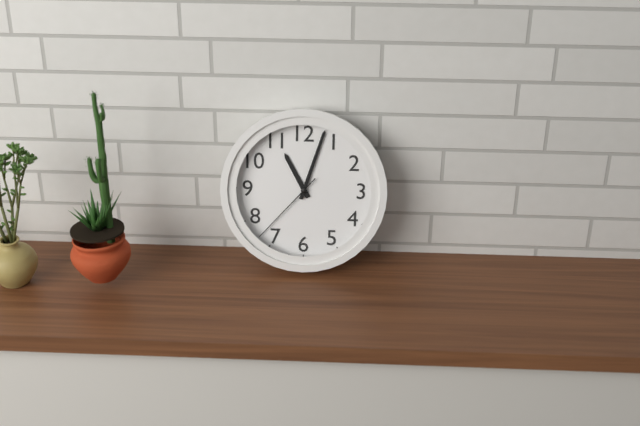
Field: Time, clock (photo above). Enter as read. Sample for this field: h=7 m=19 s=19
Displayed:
h=11 m=3 s=37
